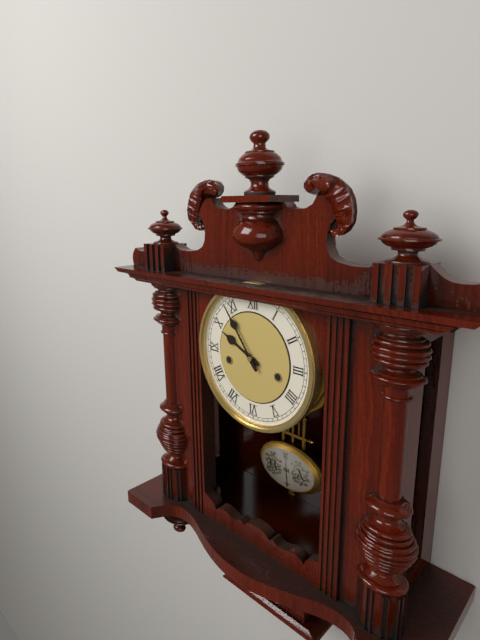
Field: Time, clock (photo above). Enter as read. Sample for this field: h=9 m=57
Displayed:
h=9 m=54
